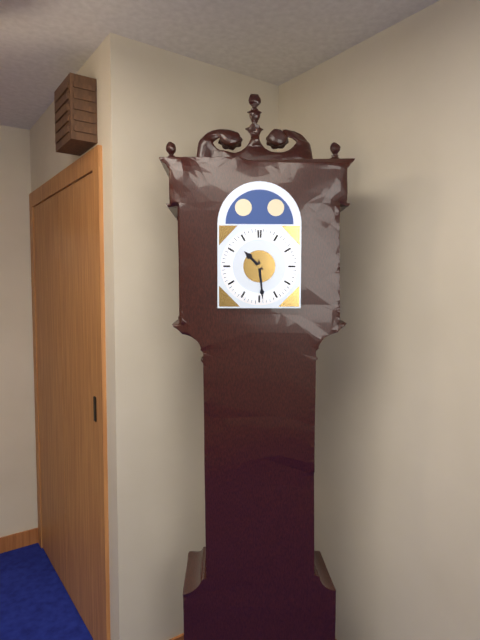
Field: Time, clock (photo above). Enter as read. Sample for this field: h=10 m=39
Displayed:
h=10 m=29
